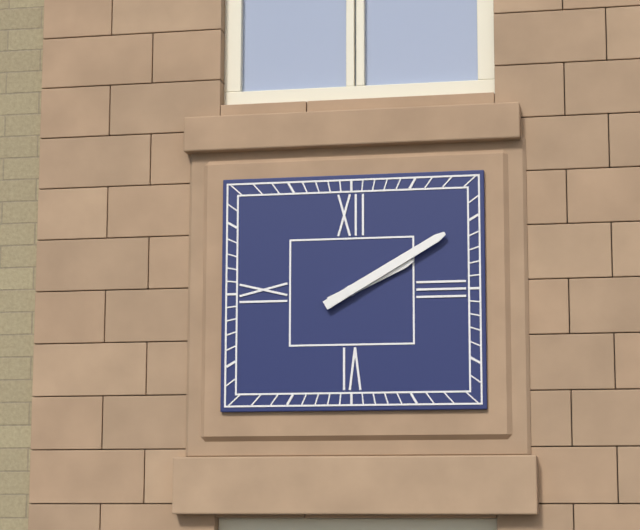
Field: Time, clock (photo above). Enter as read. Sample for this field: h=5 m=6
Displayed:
h=2 m=10
